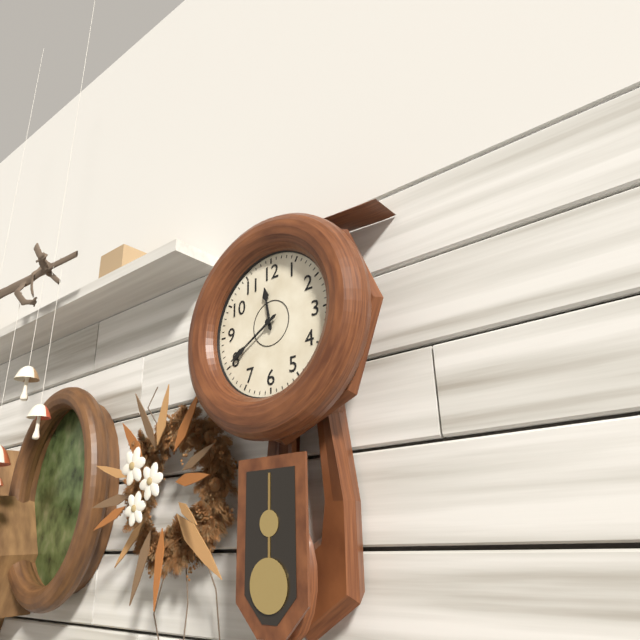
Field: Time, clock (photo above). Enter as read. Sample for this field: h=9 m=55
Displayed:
h=11 m=40
